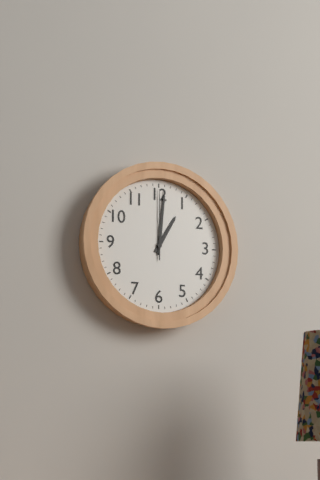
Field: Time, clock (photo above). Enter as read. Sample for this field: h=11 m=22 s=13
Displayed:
h=1 m=1 s=0
